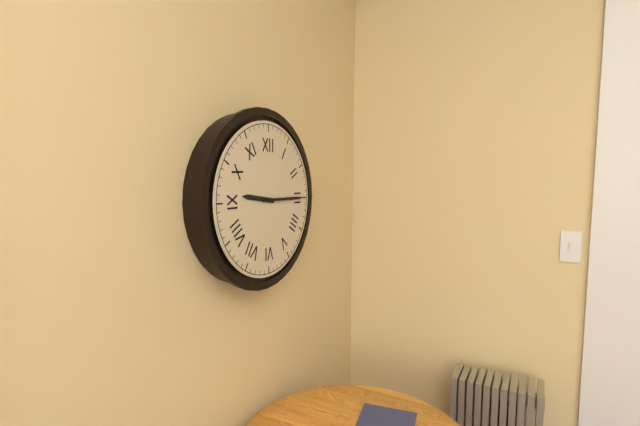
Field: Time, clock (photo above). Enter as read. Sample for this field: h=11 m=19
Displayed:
h=9 m=15
